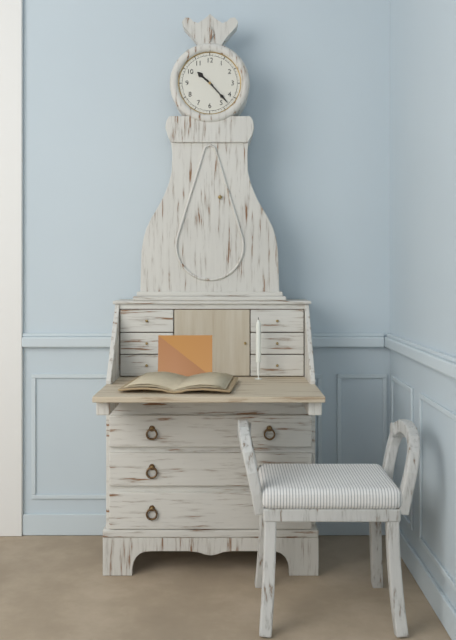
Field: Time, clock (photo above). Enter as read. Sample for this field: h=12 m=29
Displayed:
h=10 m=23
